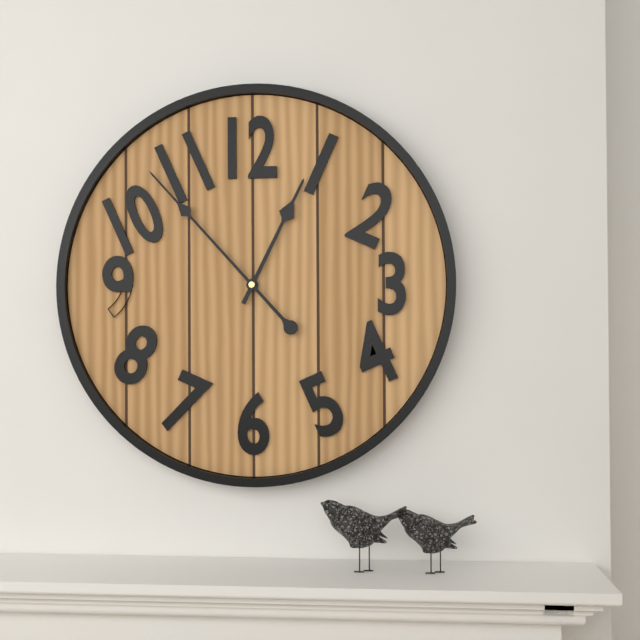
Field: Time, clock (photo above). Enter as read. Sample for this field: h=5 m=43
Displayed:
h=12 m=53
